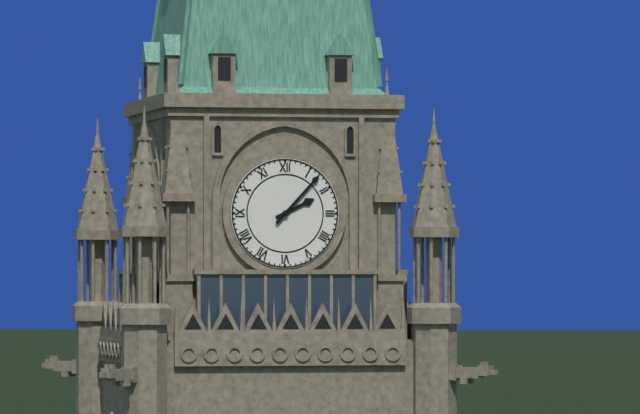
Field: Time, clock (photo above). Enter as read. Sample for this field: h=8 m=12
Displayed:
h=2 m=7
